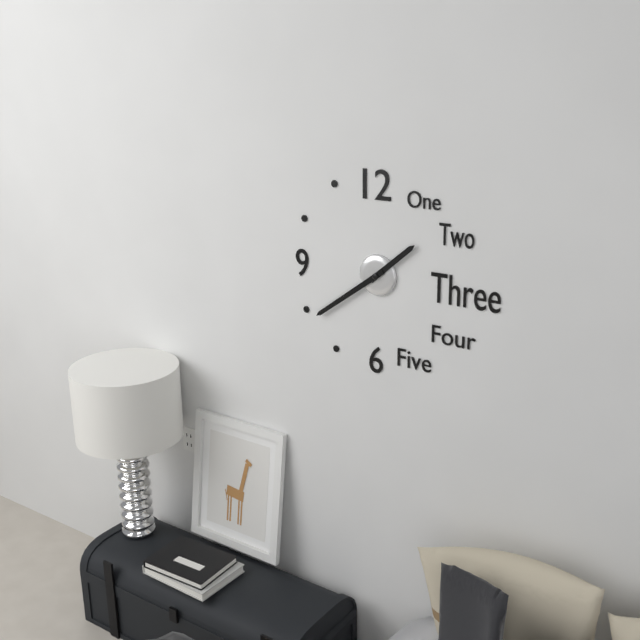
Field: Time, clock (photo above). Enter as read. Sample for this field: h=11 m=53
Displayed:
h=1 m=39
